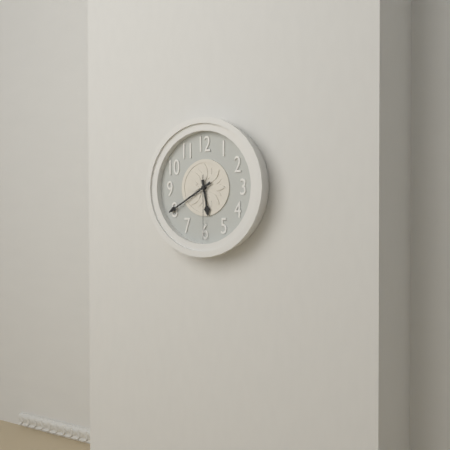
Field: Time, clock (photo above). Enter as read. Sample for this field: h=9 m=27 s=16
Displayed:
h=5 m=40 s=30
